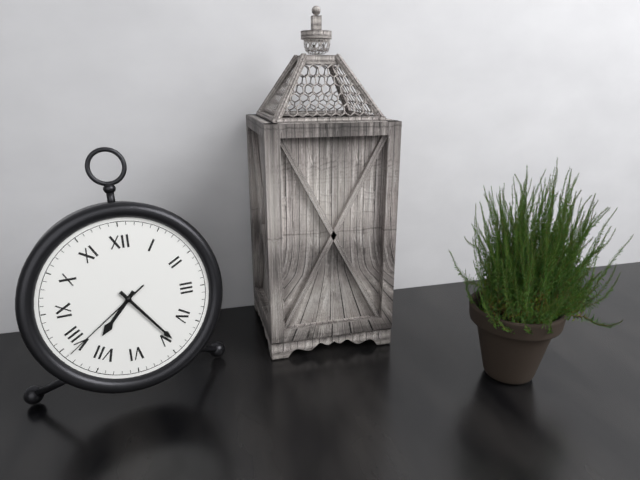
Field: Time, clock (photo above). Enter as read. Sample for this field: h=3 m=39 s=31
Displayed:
h=7 m=24 s=39
